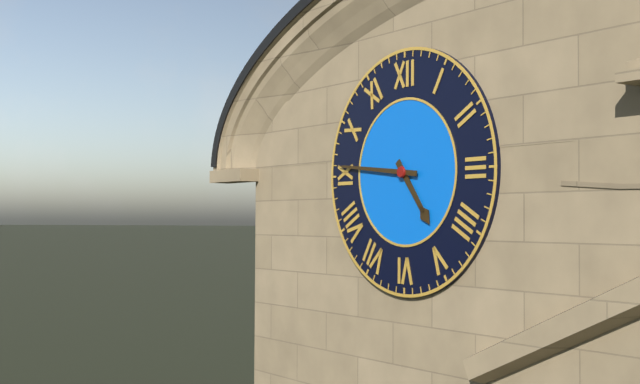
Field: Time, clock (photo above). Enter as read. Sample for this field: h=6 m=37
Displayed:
h=4 m=46
